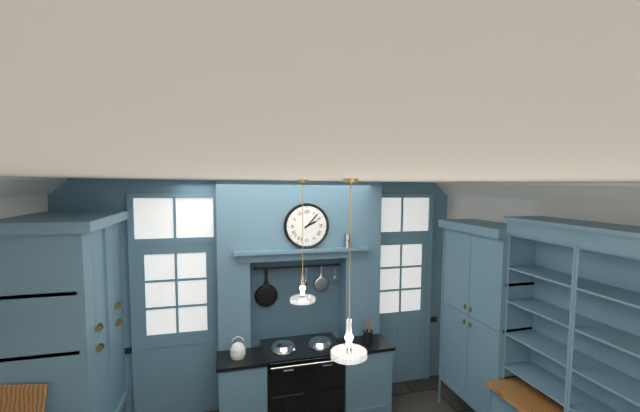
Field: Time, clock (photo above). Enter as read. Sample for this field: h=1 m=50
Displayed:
h=2 m=7
